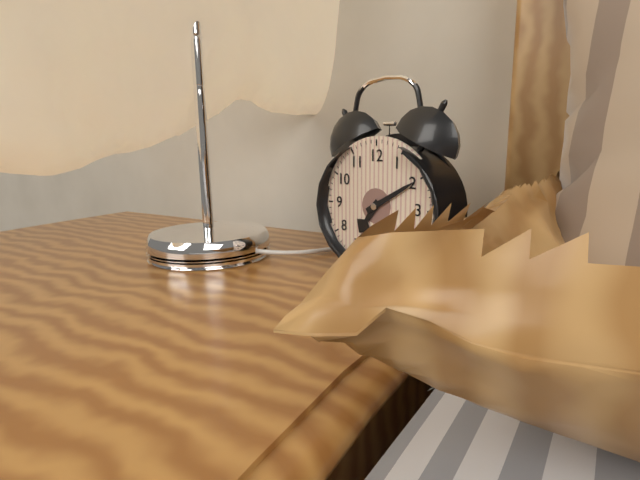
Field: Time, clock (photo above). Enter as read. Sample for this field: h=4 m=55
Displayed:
h=7 m=10
